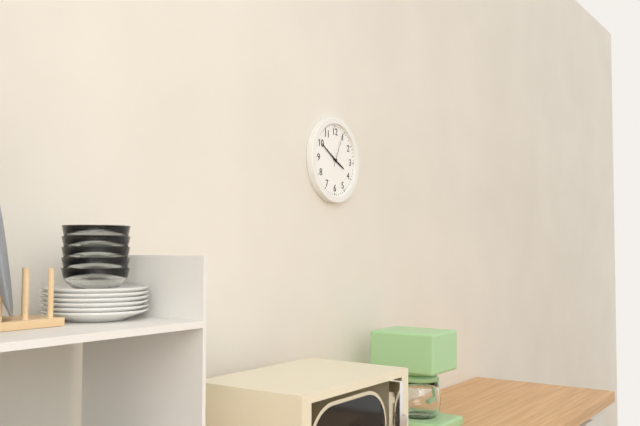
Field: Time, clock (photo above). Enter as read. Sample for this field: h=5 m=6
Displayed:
h=3 m=50
